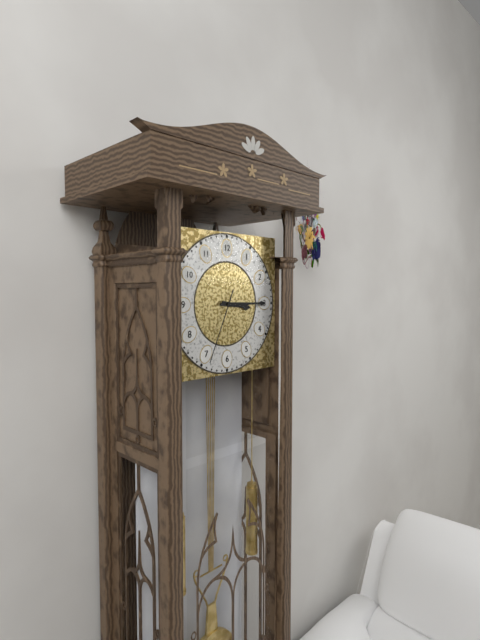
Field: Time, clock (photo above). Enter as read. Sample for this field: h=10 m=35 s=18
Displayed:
h=3 m=15 s=34
